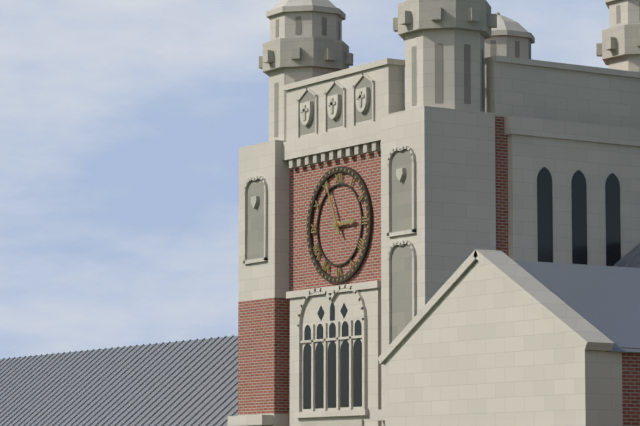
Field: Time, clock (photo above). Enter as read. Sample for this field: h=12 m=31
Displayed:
h=2 m=56
